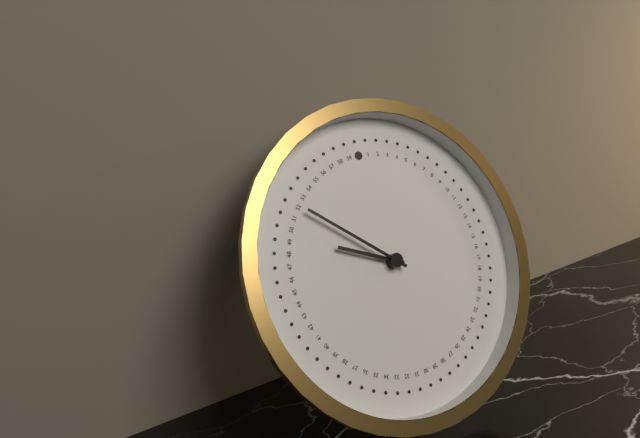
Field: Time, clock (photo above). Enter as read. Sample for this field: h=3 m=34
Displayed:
h=9 m=52
